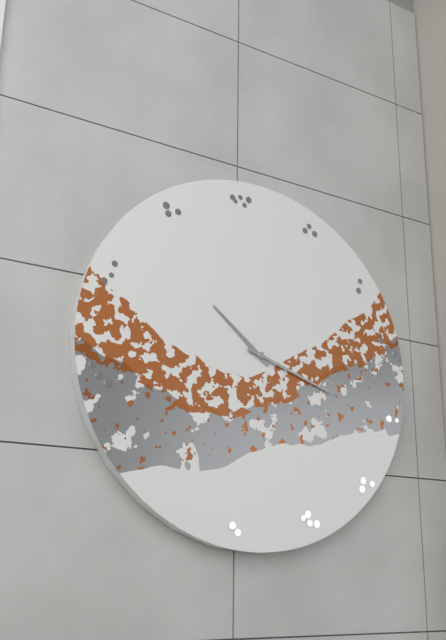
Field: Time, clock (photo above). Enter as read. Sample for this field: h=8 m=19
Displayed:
h=10 m=18
